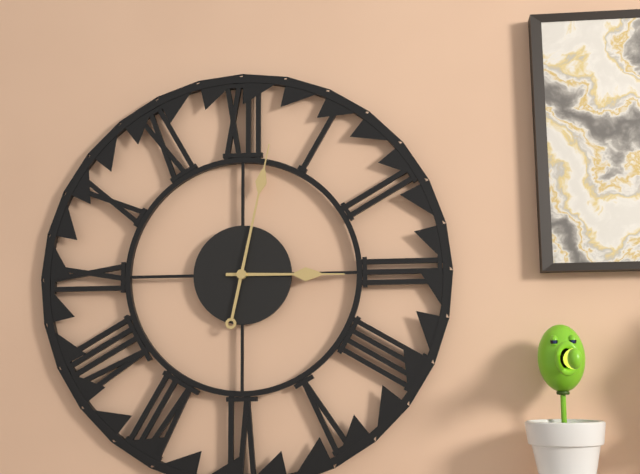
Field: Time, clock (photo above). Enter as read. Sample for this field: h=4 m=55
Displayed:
h=3 m=2
